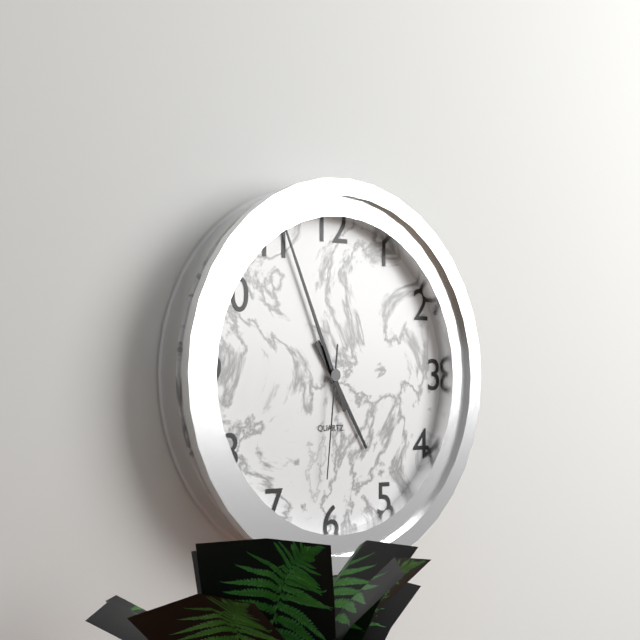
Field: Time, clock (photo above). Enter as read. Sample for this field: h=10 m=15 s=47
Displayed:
h=4 m=56 s=31
